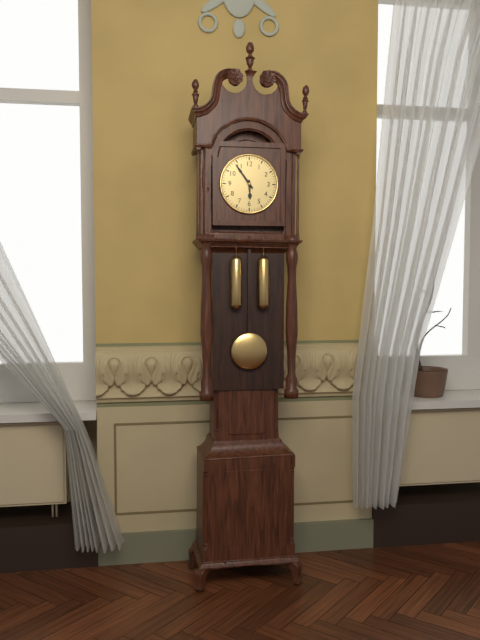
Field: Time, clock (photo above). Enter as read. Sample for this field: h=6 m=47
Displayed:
h=5 m=54
